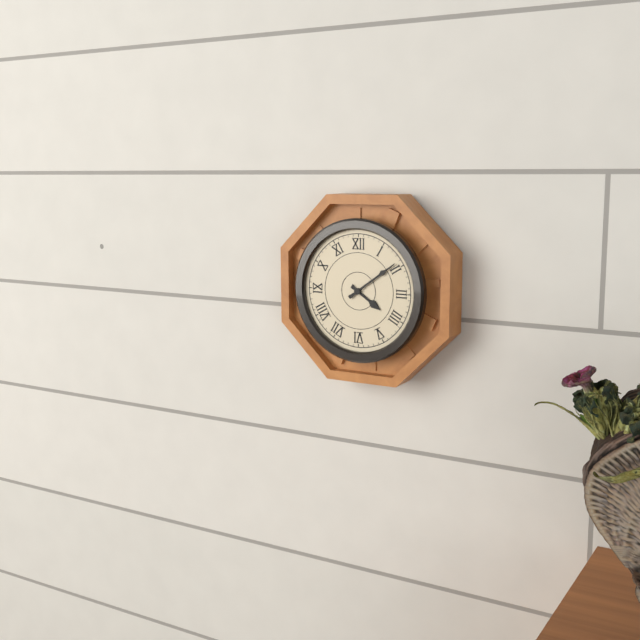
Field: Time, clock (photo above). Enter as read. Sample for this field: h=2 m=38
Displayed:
h=4 m=9
